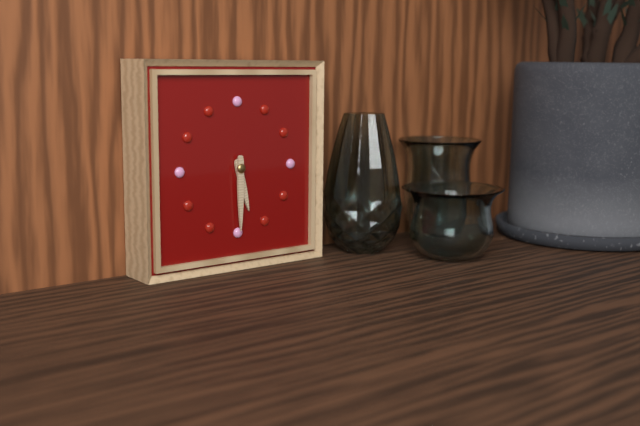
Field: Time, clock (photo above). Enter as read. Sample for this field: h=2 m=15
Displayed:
h=5 m=30
